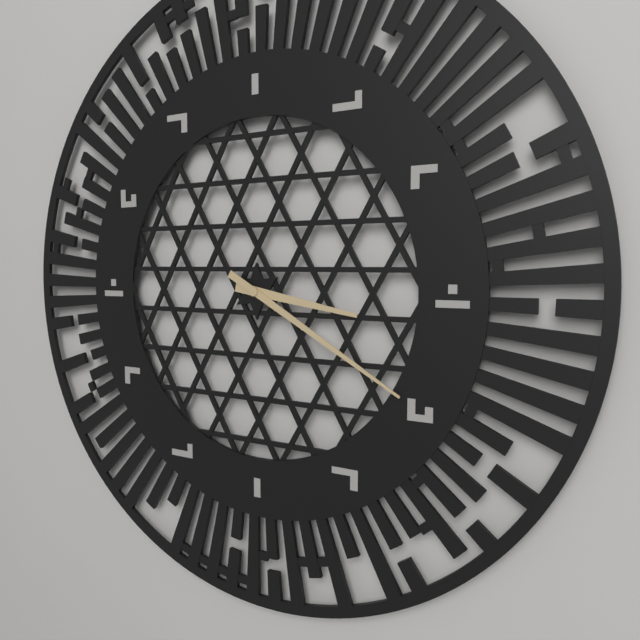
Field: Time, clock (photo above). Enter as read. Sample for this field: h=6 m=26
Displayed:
h=3 m=20
